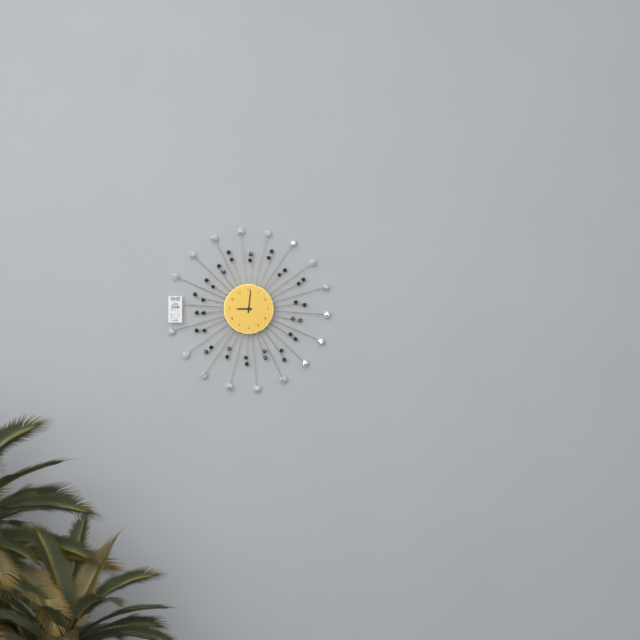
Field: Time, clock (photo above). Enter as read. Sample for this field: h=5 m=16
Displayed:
h=9 m=1
